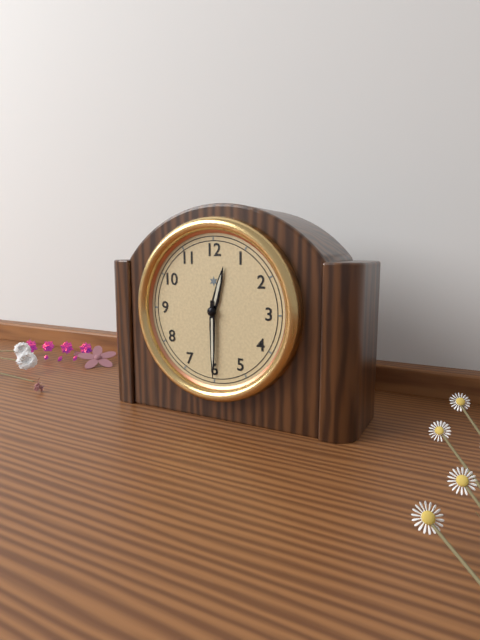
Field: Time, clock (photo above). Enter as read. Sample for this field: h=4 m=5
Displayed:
h=12 m=30
